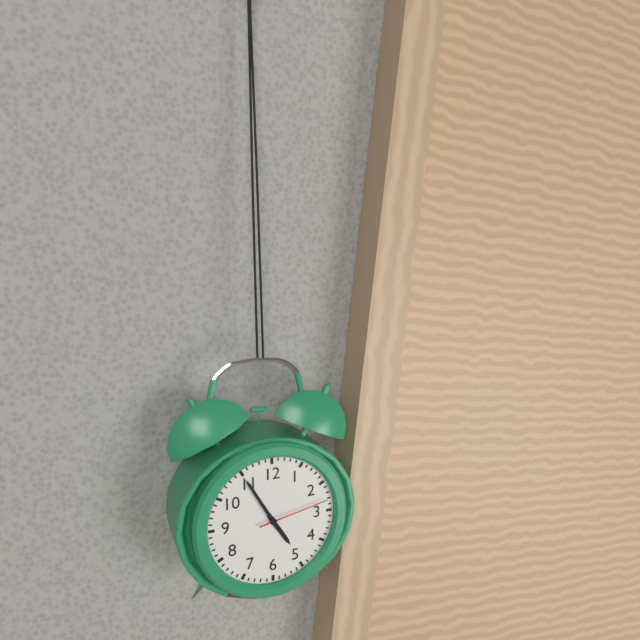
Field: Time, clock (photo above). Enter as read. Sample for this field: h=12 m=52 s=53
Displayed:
h=4 m=55 s=13
